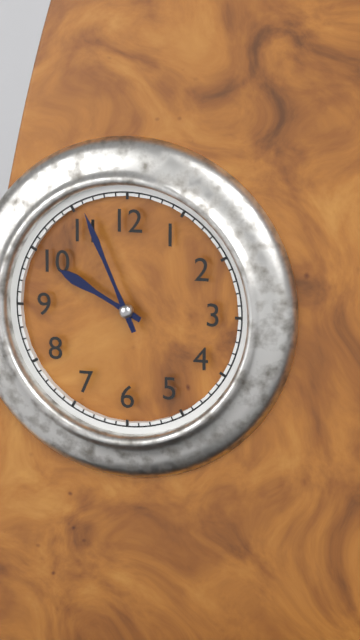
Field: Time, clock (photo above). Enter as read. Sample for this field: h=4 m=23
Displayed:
h=9 m=56
